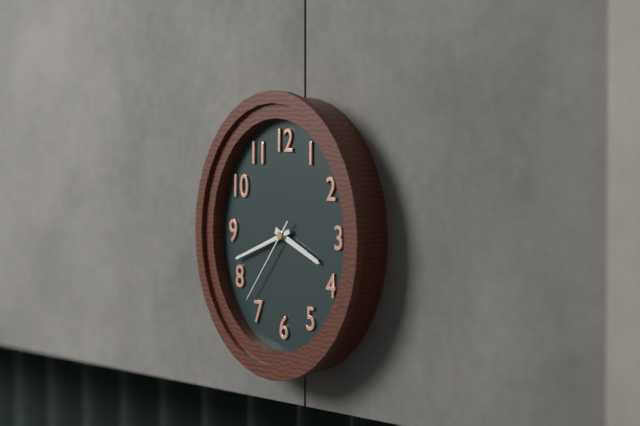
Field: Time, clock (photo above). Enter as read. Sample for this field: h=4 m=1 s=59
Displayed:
h=3 m=42 s=37
